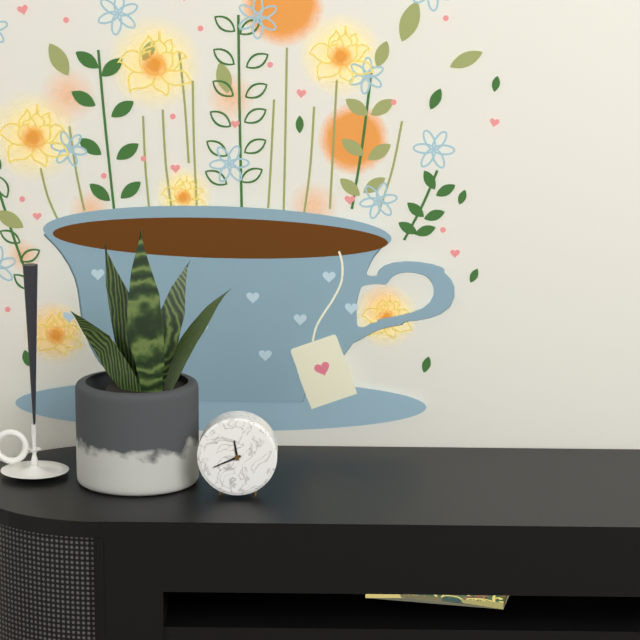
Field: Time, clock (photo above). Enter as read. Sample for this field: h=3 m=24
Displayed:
h=11 m=41
